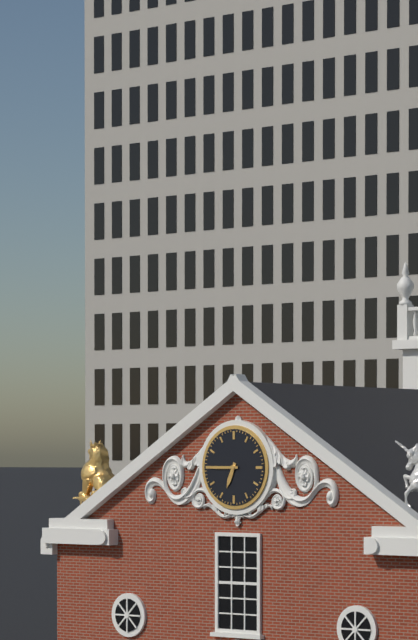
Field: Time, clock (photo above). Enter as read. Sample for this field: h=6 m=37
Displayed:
h=6 m=45
